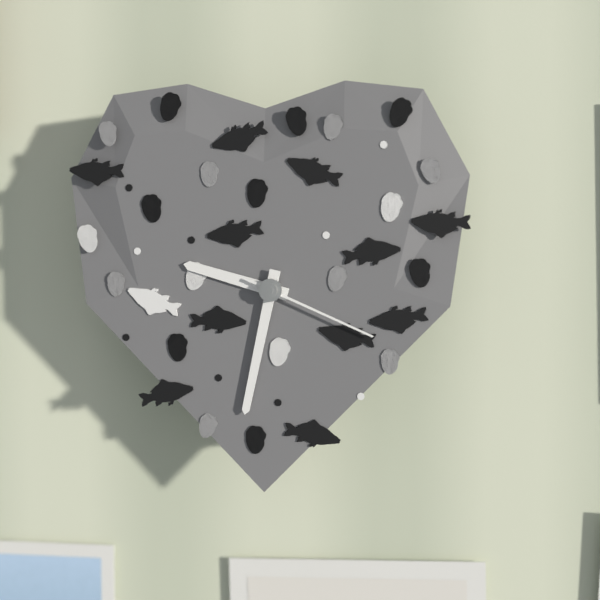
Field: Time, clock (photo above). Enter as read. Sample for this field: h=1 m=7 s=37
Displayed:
h=9 m=32 s=19
